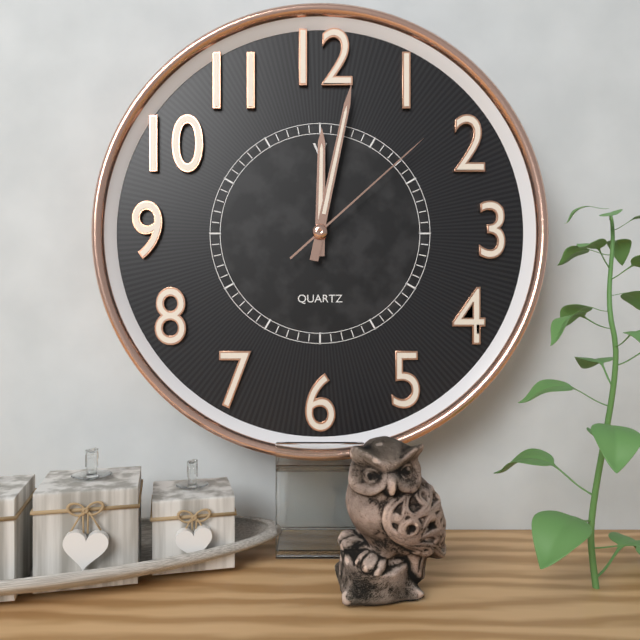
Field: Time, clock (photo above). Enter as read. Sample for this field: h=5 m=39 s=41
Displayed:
h=12 m=2 s=8
